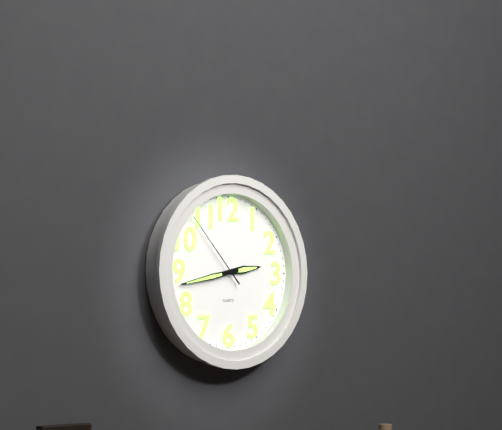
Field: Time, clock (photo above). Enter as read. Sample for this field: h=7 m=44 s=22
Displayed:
h=2 m=43 s=53
